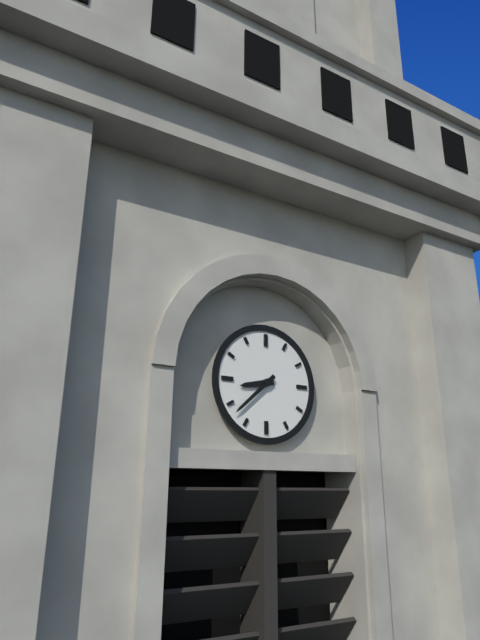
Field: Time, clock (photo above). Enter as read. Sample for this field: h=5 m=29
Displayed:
h=8 m=38
